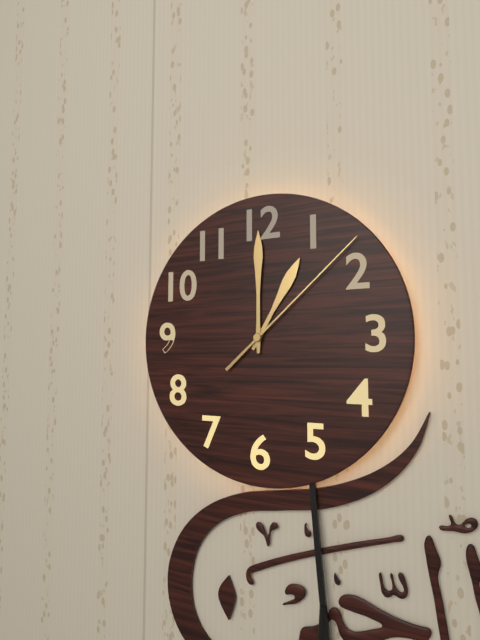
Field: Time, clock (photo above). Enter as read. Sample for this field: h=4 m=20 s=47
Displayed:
h=1 m=0 s=8
